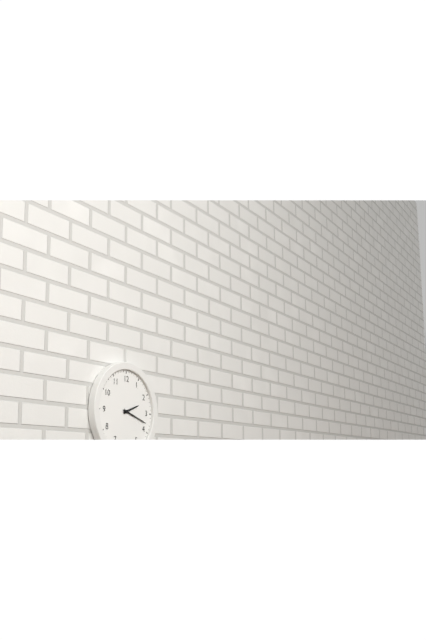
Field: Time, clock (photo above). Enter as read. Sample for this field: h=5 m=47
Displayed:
h=2 m=18
